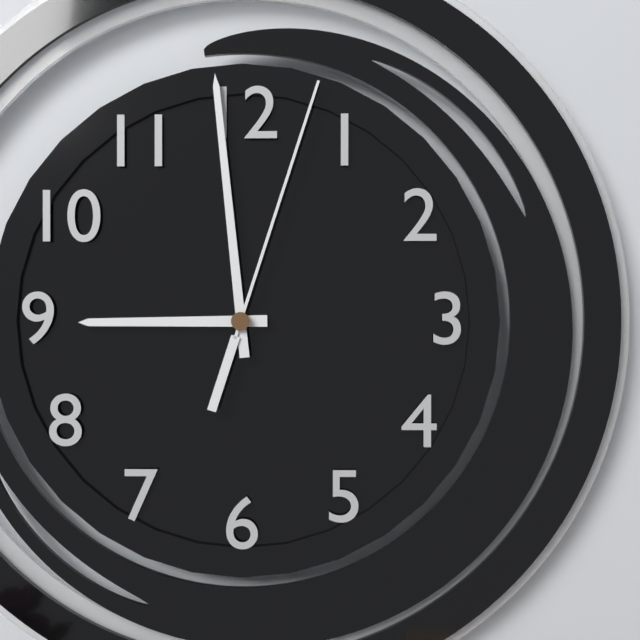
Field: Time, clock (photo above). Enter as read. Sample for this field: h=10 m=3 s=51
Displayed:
h=8 m=59 s=3
